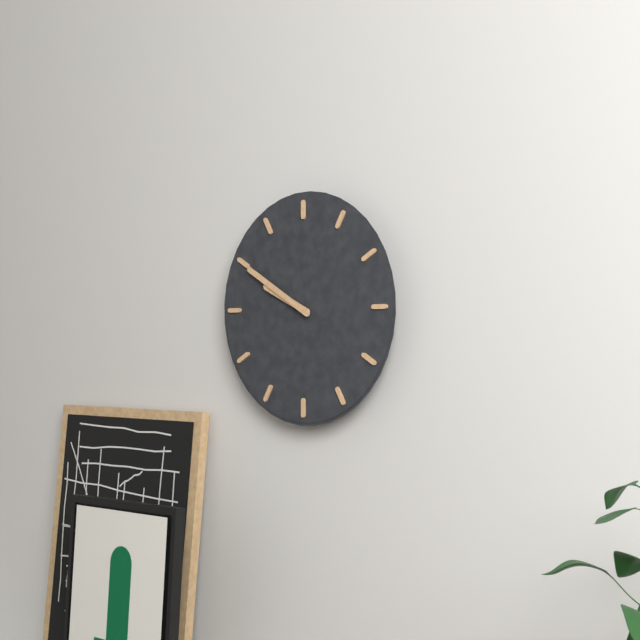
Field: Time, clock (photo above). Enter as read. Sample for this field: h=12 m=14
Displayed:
h=9 m=50
